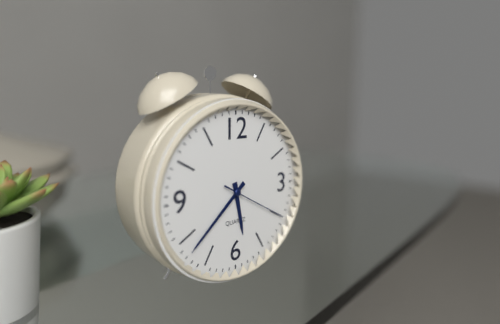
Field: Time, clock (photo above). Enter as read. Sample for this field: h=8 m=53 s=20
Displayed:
h=5 m=38 s=20
